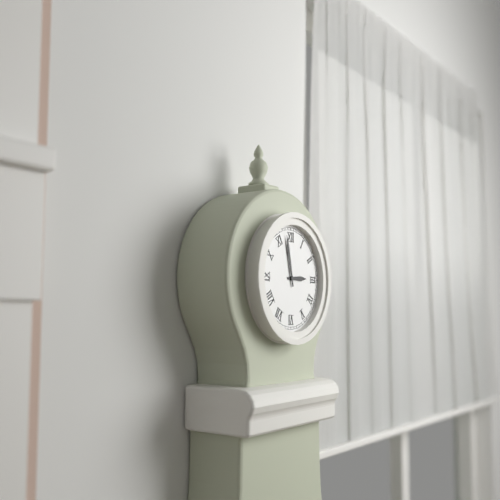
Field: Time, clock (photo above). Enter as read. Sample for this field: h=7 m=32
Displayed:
h=2 m=58
